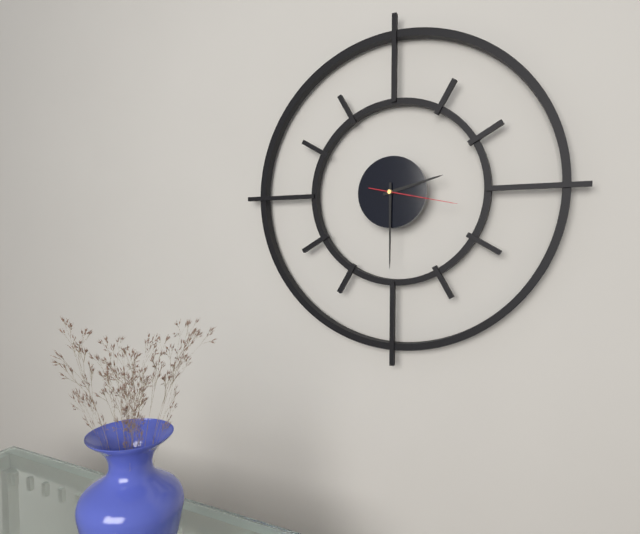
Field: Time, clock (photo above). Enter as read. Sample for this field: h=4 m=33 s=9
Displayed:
h=2 m=30 s=17
